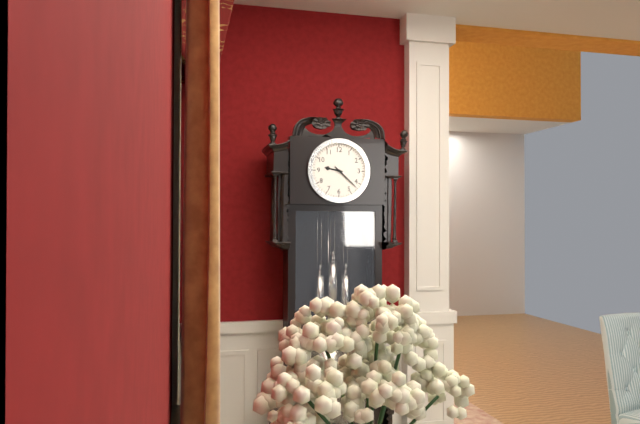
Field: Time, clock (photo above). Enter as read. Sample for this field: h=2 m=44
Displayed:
h=9 m=22
